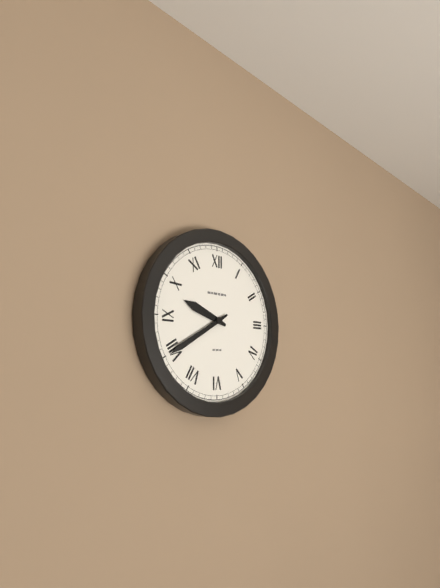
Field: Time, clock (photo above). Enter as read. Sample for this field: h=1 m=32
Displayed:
h=9 m=40
